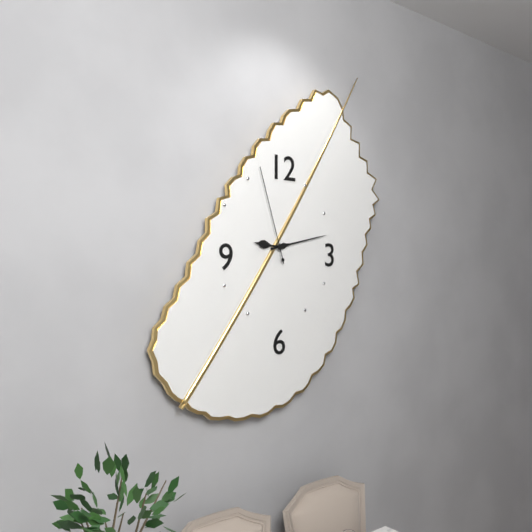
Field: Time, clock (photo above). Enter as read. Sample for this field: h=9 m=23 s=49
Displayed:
h=9 m=13 s=57
